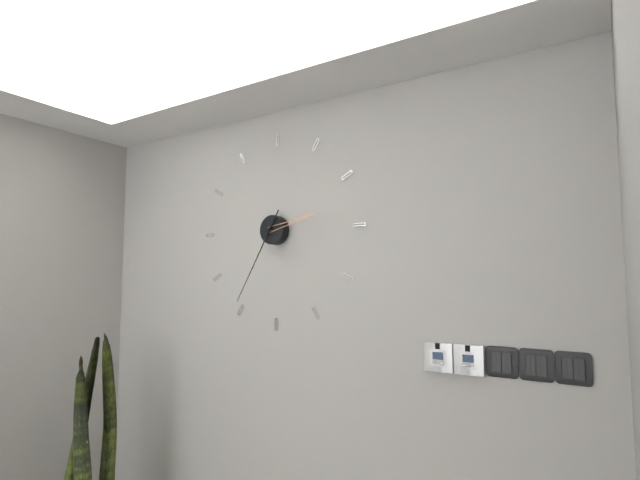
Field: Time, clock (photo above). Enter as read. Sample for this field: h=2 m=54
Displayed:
h=2 m=35
